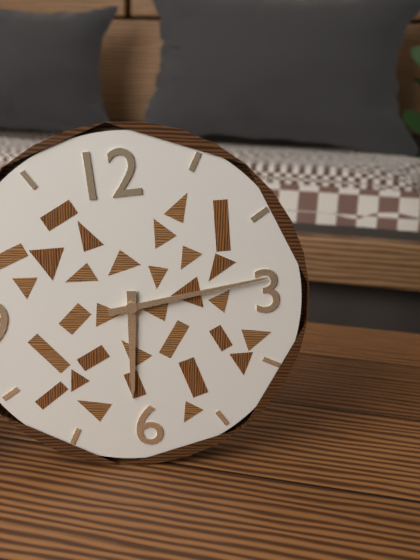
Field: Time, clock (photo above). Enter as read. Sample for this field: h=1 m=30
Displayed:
h=6 m=14
